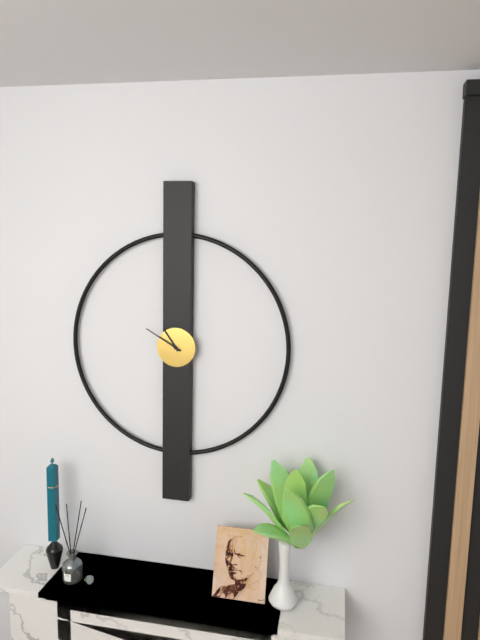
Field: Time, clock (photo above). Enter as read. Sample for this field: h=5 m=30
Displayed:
h=10 m=50
